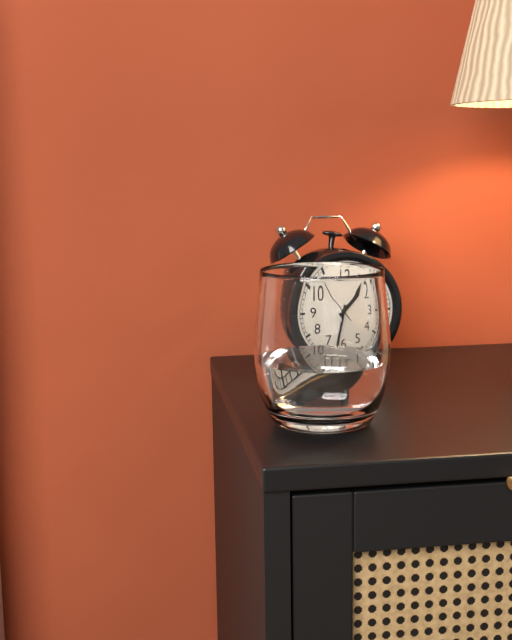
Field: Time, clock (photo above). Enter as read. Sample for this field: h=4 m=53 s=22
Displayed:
h=1 m=32 s=53
